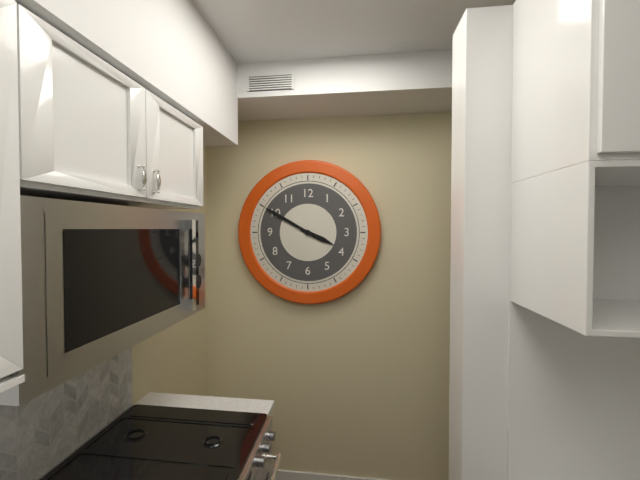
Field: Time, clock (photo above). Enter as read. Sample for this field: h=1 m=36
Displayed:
h=3 m=50
